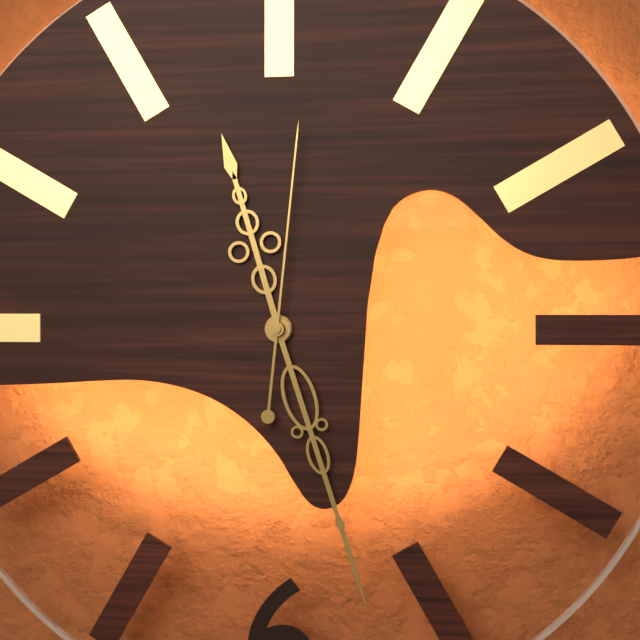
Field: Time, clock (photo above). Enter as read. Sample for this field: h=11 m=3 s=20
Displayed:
h=11 m=27 s=1
